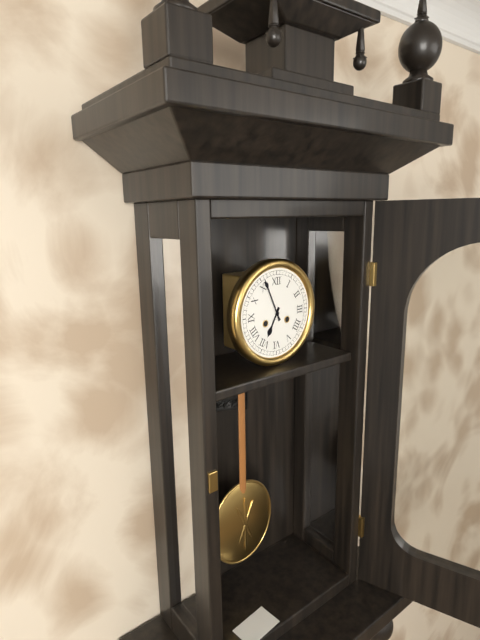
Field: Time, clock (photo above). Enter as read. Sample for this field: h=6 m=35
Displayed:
h=6 m=56
